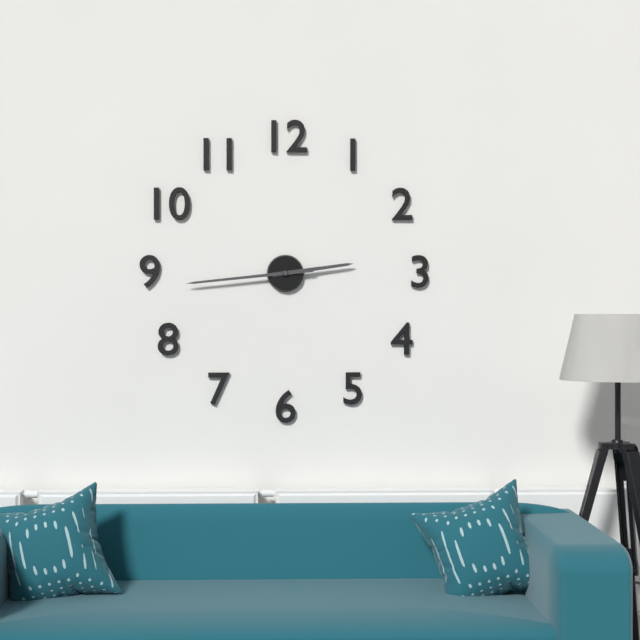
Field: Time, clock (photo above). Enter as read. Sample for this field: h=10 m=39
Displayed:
h=2 m=44
